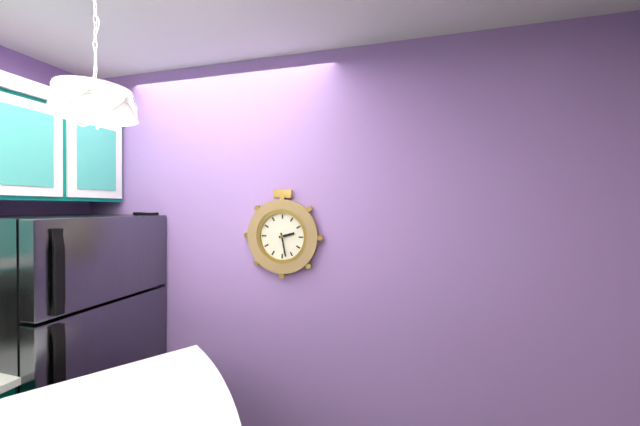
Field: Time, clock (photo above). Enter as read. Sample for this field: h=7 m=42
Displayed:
h=2 m=28
